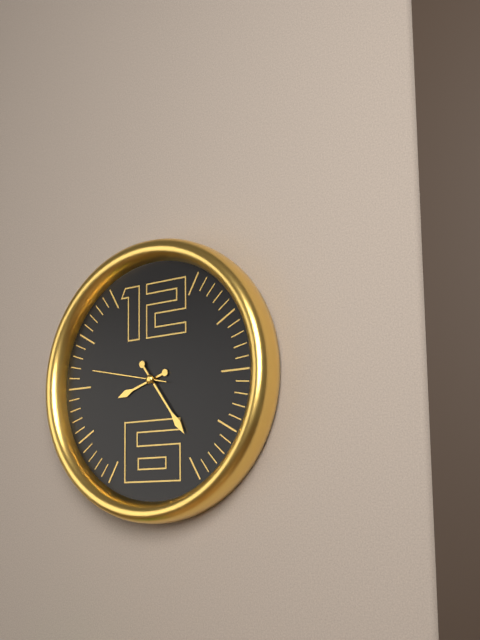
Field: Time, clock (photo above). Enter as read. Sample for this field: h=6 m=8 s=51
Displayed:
h=8 m=24 s=47
